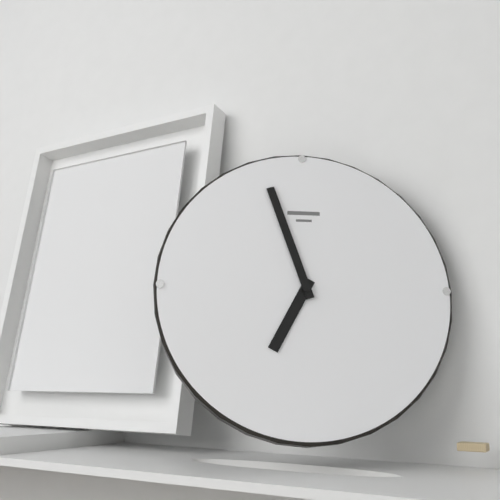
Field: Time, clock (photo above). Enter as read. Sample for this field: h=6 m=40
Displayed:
h=6 m=57
